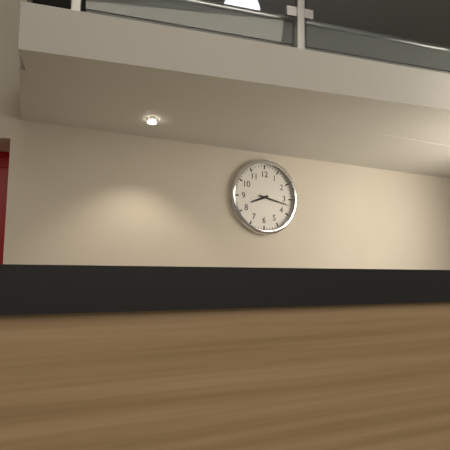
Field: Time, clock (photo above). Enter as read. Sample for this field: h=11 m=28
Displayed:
h=8 m=17
